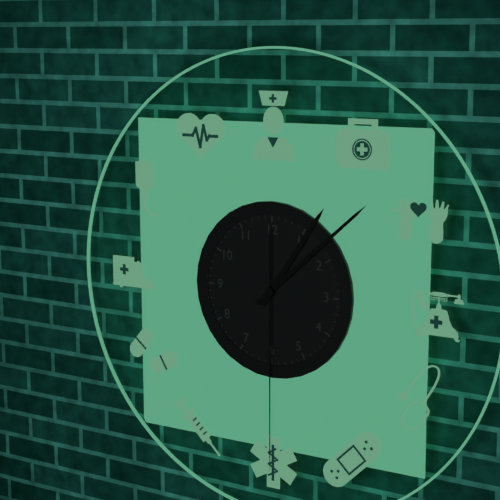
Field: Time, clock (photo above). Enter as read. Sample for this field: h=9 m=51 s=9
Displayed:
h=1 m=8 s=30
